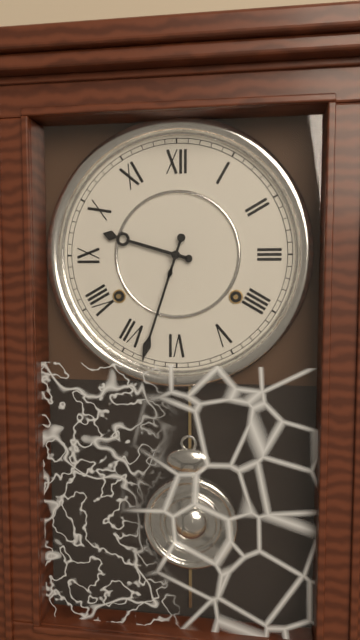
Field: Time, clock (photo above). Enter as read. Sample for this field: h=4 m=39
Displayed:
h=9 m=33
